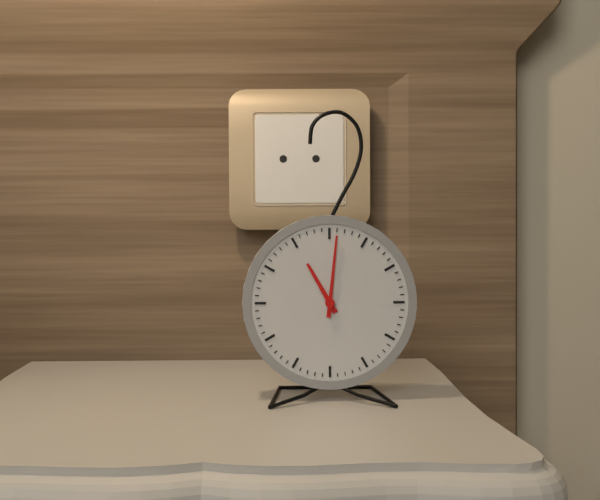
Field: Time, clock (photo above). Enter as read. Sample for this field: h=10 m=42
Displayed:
h=11 m=1
